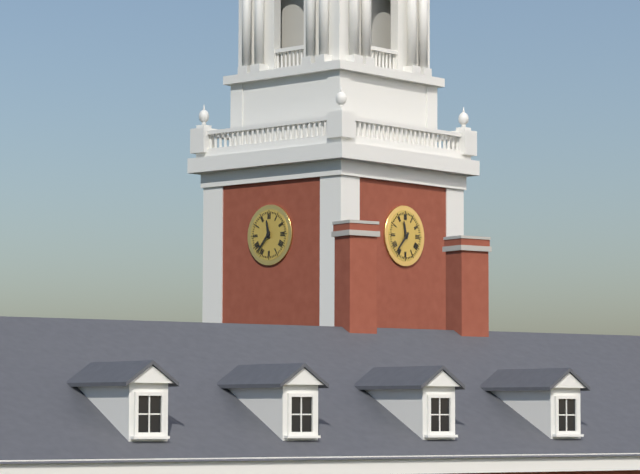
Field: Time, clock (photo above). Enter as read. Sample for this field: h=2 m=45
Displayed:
h=11 m=37
